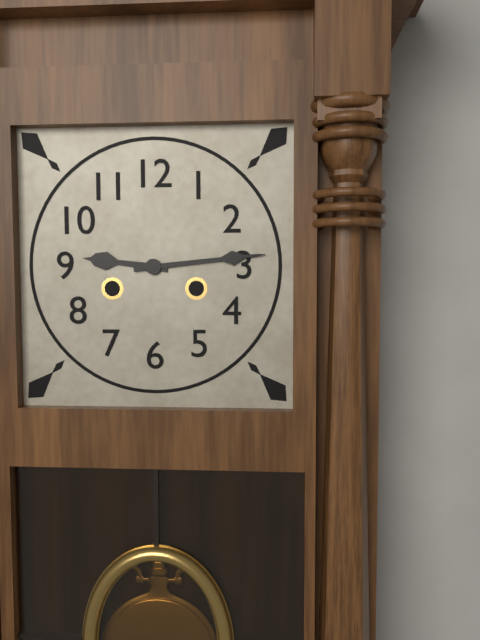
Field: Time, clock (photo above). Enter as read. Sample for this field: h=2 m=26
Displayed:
h=9 m=14
